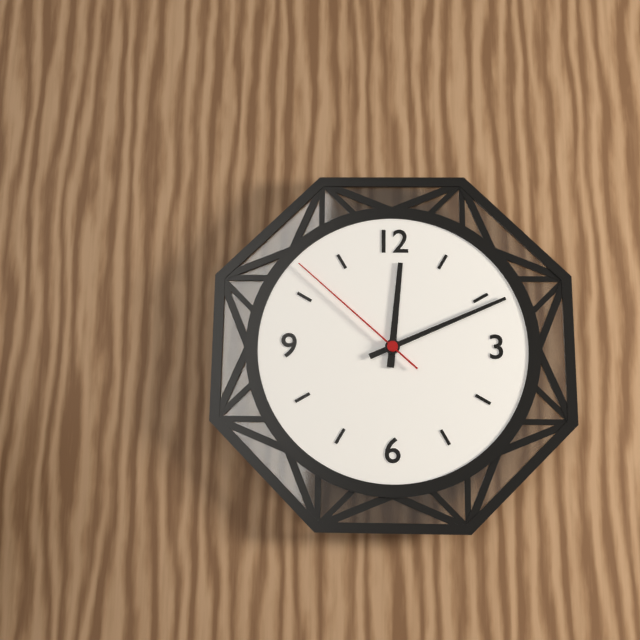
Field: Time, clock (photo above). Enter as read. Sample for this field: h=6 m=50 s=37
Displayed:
h=12 m=11 s=52
